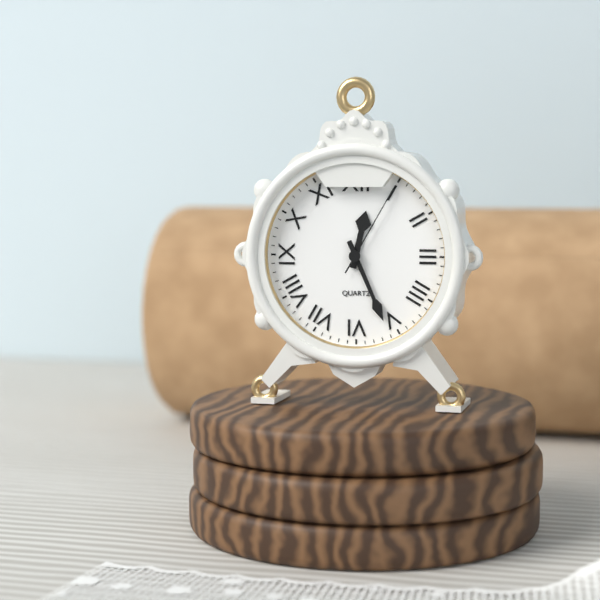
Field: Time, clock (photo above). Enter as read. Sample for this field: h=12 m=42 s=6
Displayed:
h=12 m=26 s=5
